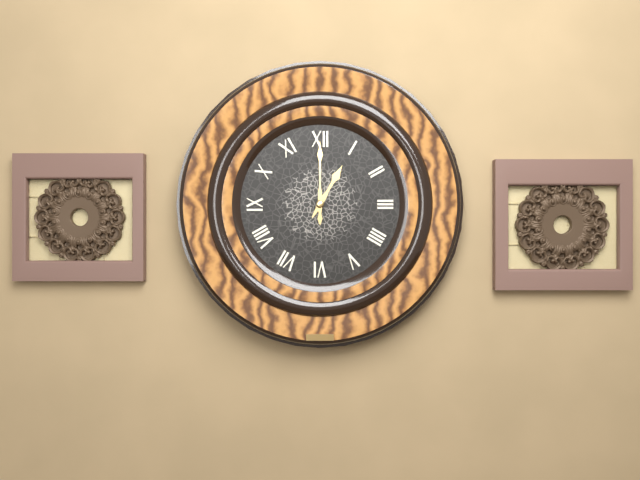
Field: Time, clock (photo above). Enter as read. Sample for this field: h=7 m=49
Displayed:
h=1 m=0
